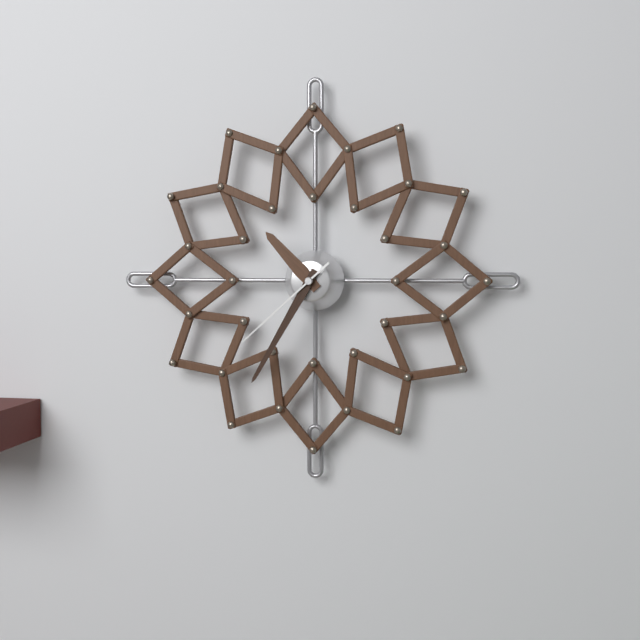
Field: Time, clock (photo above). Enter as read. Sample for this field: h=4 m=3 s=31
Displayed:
h=10 m=35 s=38
